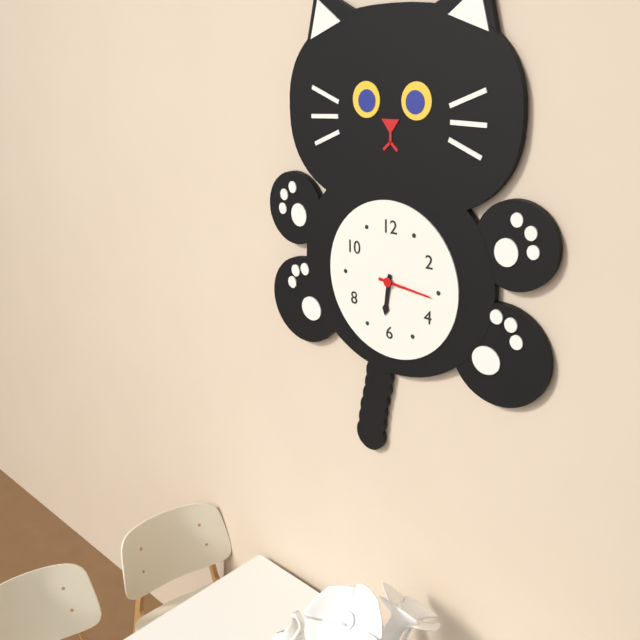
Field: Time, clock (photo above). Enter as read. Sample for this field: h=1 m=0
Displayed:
h=6 m=16
